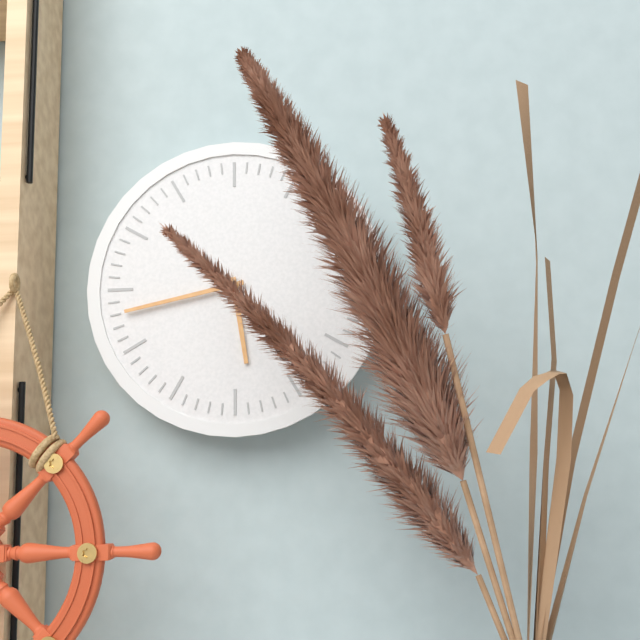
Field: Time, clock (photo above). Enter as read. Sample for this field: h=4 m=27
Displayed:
h=5 m=43
